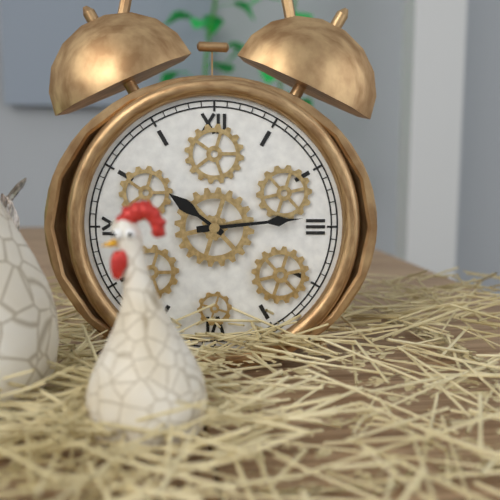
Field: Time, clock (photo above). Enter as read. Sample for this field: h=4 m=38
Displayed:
h=10 m=14
